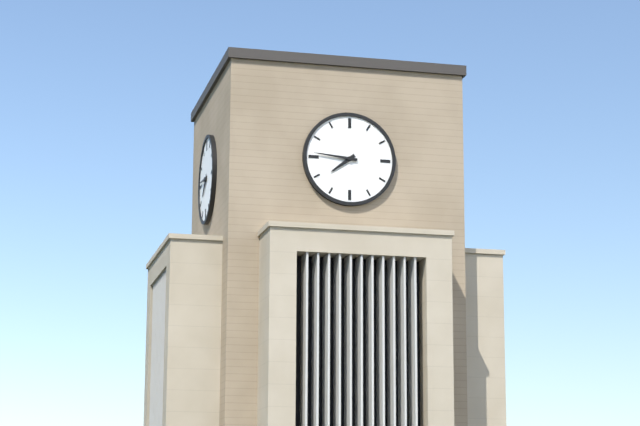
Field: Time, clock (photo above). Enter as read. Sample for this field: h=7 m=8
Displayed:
h=7 m=46
